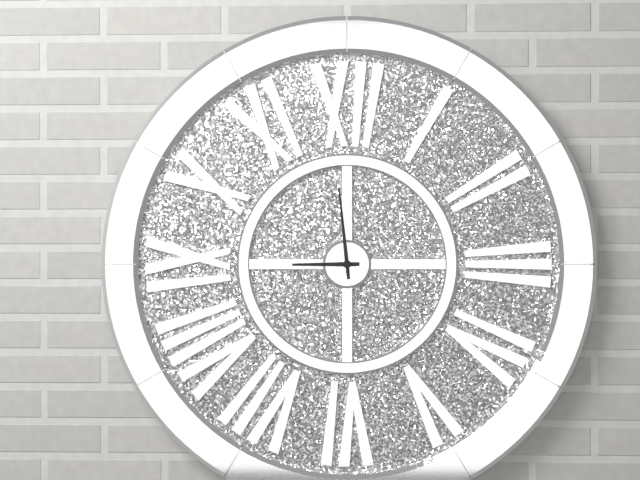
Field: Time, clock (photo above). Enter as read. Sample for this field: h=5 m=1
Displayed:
h=8 m=59
